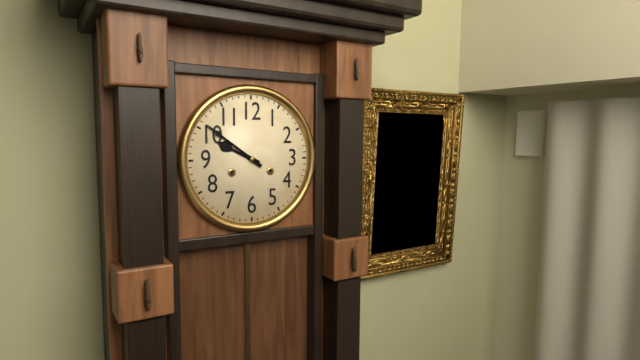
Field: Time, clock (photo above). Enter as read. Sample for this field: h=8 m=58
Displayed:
h=9 m=51
